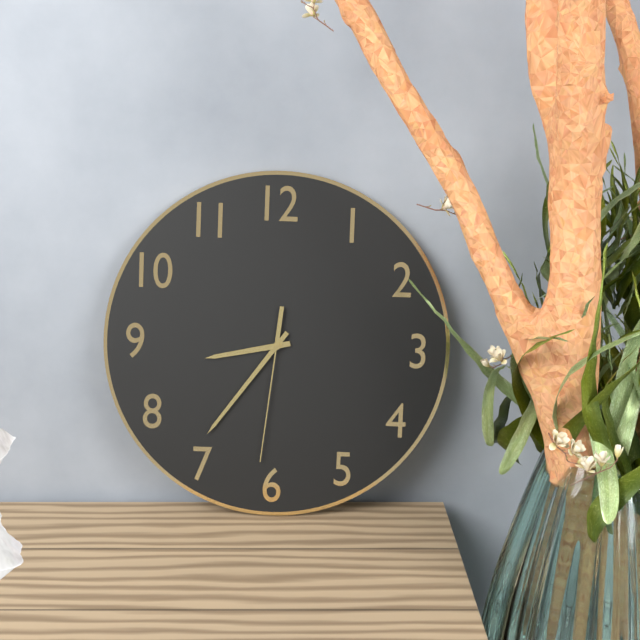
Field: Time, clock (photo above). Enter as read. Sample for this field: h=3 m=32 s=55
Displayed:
h=8 m=36 s=31
